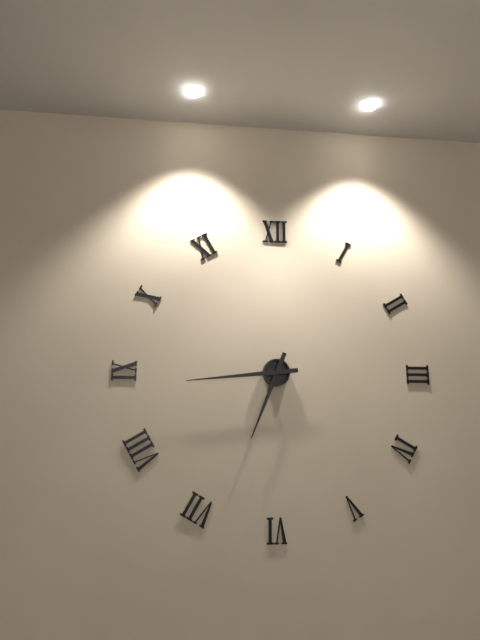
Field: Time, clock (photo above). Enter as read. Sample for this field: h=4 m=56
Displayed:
h=6 m=44
